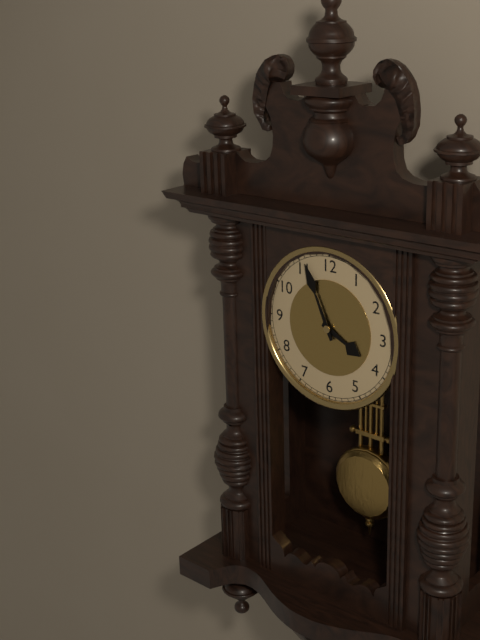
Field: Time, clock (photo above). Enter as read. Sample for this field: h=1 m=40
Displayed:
h=3 m=56
